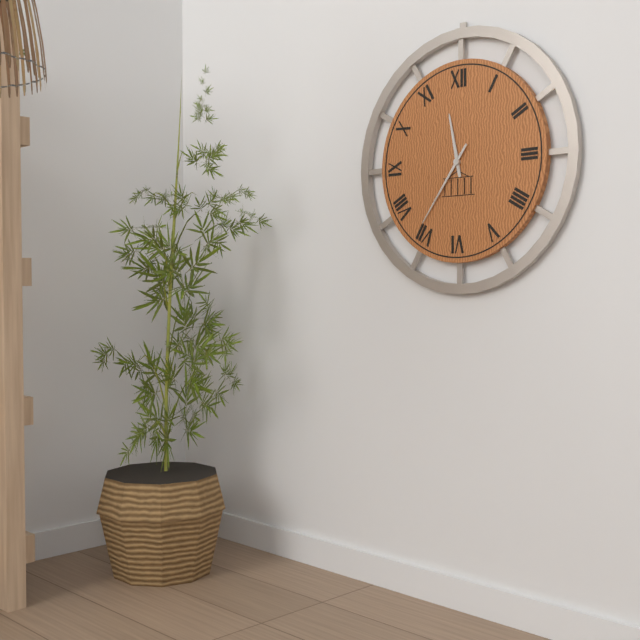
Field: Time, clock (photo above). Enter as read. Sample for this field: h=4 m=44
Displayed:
h=11 m=36
